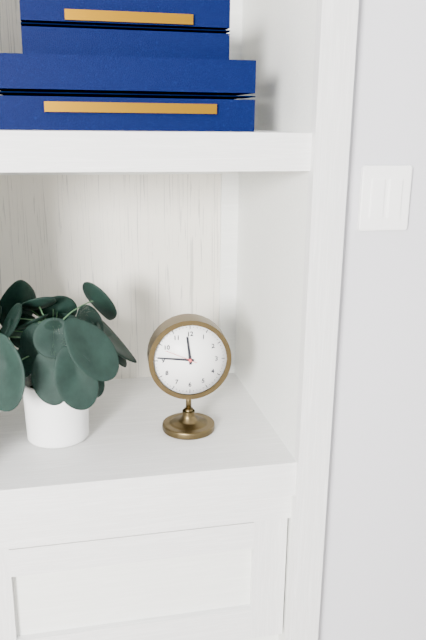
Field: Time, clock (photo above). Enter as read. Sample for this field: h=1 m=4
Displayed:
h=11 m=46
